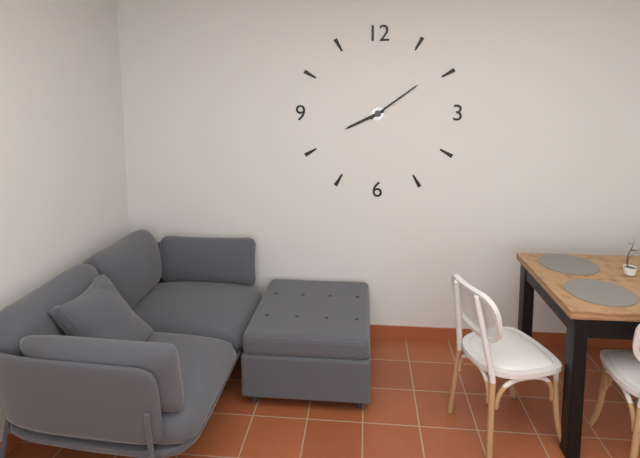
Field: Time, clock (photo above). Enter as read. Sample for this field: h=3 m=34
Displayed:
h=8 m=9
